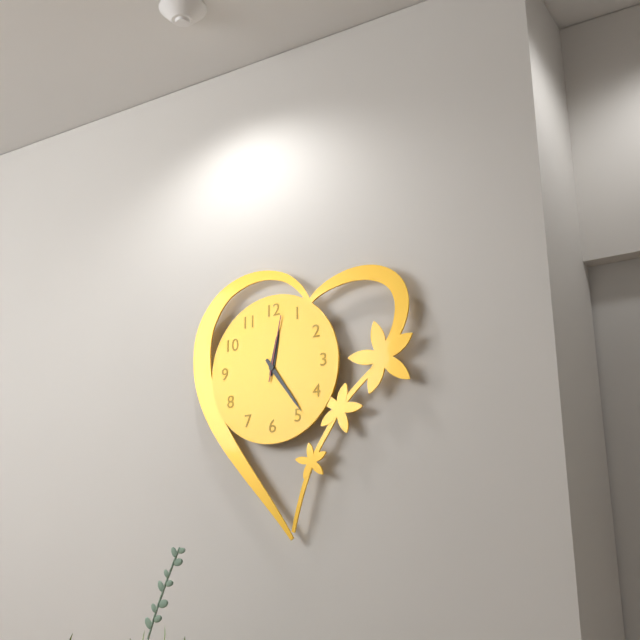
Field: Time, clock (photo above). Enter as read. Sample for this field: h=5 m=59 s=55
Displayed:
h=12 m=24 s=2
